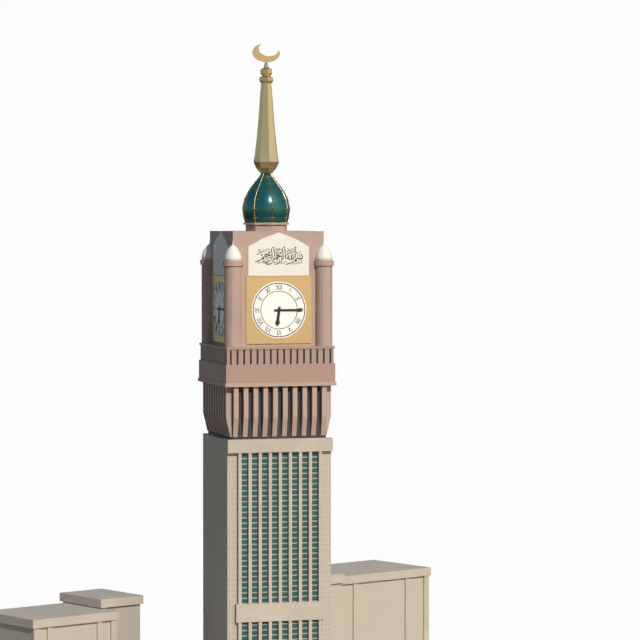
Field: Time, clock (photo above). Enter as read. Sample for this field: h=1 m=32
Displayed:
h=6 m=15
